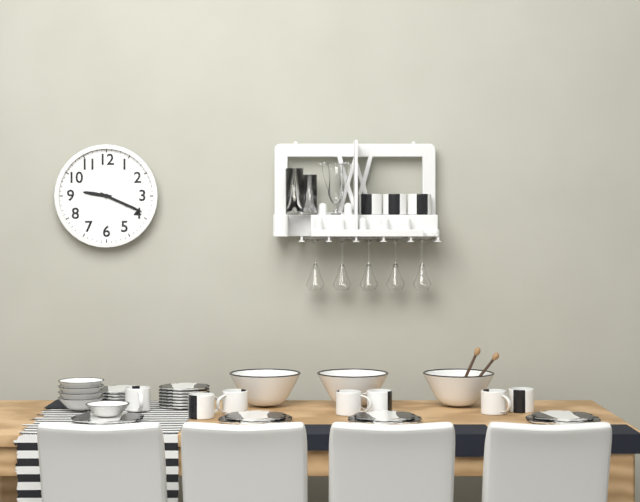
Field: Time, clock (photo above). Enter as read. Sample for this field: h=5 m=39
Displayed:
h=9 m=19
